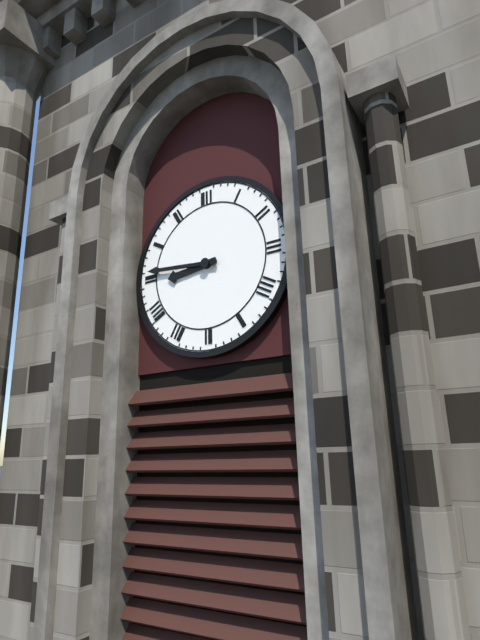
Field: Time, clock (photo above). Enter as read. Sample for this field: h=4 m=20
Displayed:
h=8 m=46
